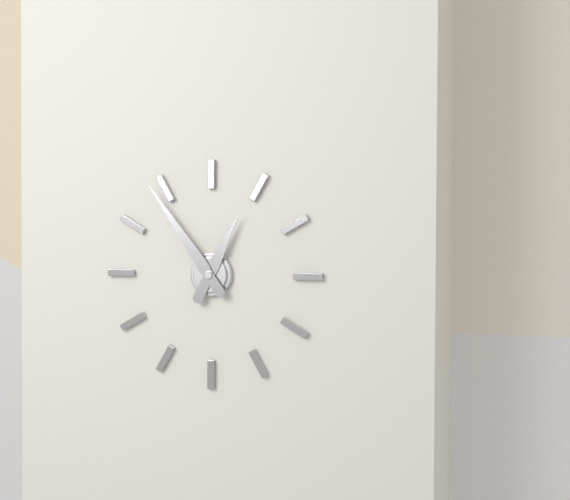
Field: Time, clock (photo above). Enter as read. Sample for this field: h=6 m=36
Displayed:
h=12 m=54
